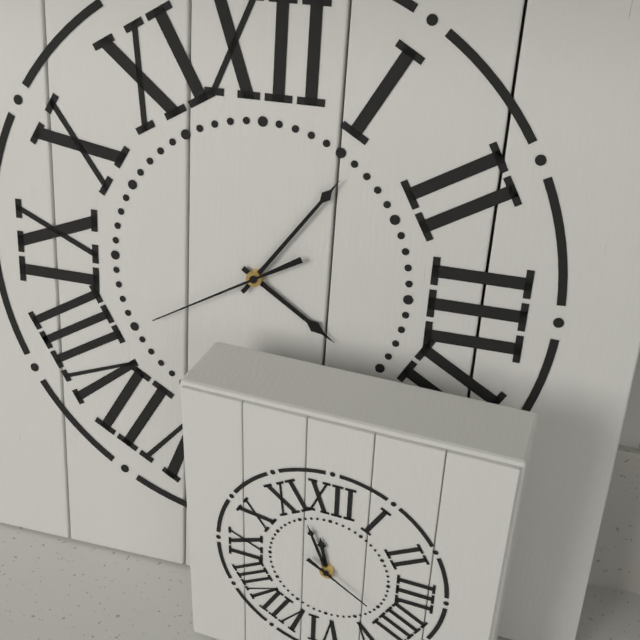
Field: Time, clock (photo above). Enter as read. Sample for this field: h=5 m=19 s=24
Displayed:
h=4 m=6 s=40
